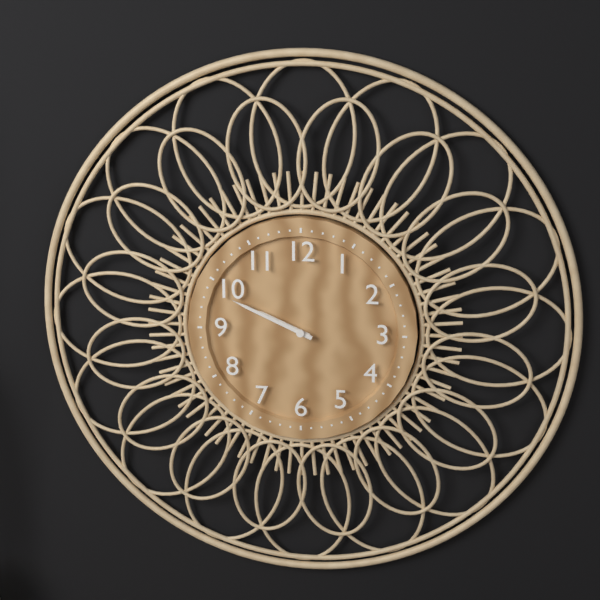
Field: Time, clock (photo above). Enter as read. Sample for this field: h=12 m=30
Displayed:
h=9 m=49
